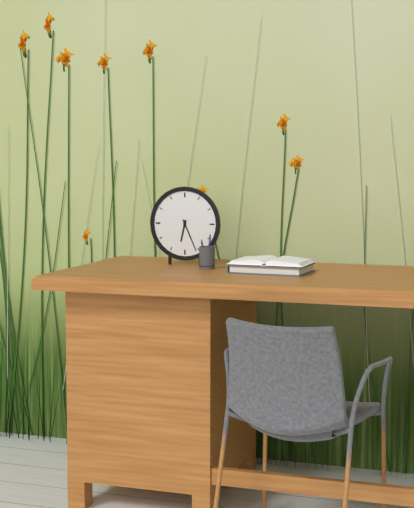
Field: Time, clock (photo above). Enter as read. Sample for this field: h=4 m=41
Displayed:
h=6 m=26
